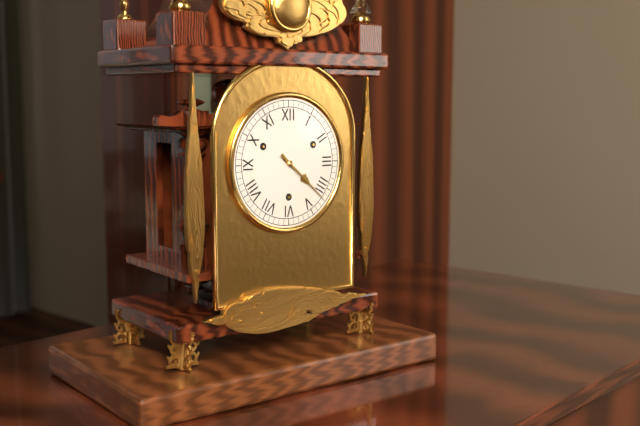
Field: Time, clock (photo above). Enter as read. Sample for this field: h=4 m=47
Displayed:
h=4 m=22
